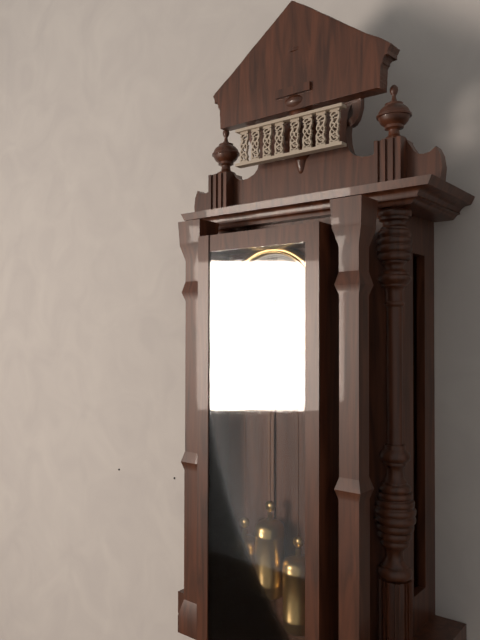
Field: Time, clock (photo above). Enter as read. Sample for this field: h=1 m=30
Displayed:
h=8 m=7
